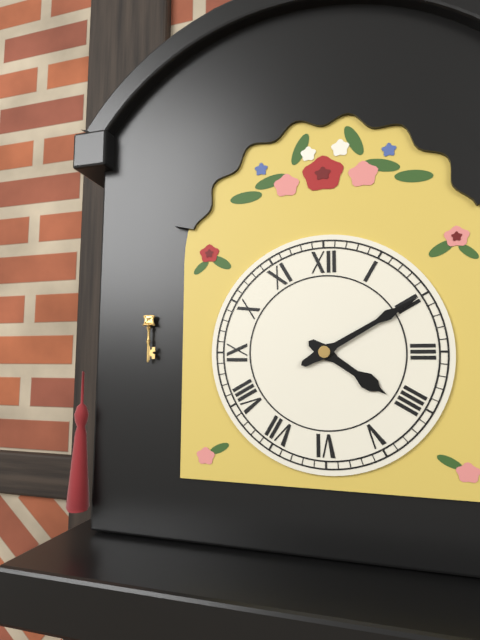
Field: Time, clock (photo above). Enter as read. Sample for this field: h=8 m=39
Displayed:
h=4 m=10
